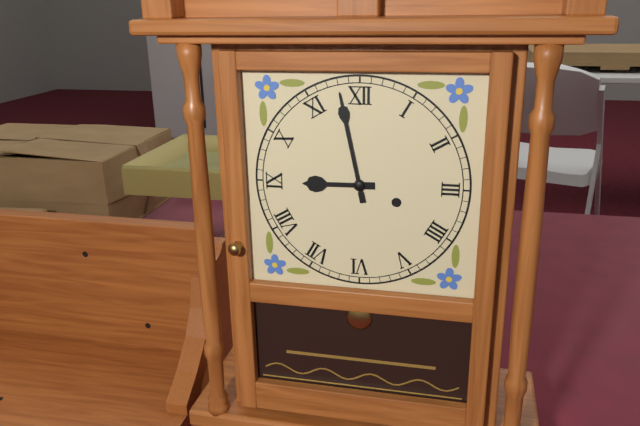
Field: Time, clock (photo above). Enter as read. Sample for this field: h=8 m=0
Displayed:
h=8 m=58
